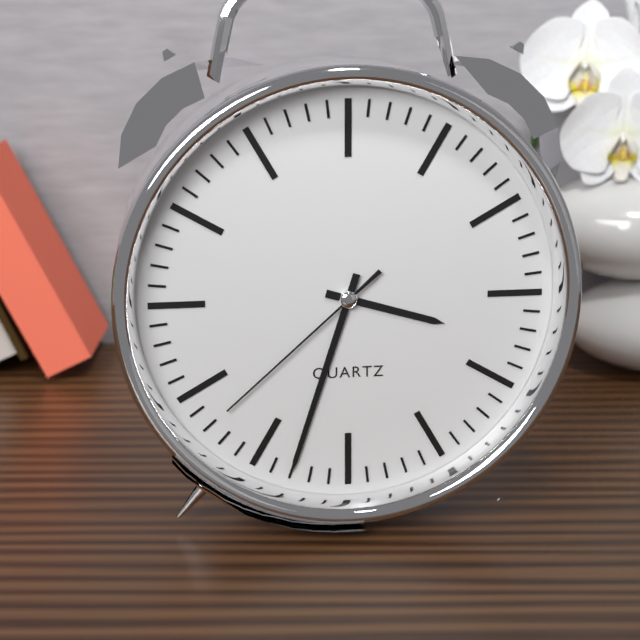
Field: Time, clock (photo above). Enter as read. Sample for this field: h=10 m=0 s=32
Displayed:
h=3 m=33 s=38
